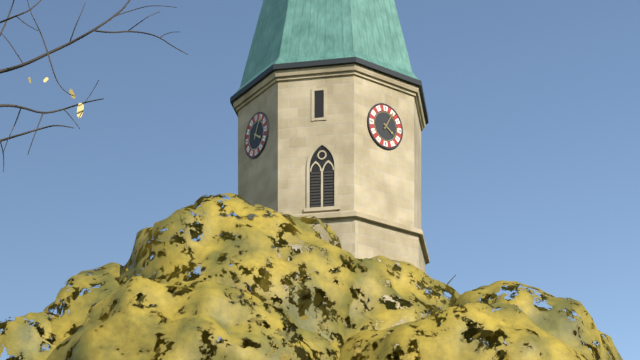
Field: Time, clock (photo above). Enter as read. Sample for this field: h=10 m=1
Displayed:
h=4 m=5
